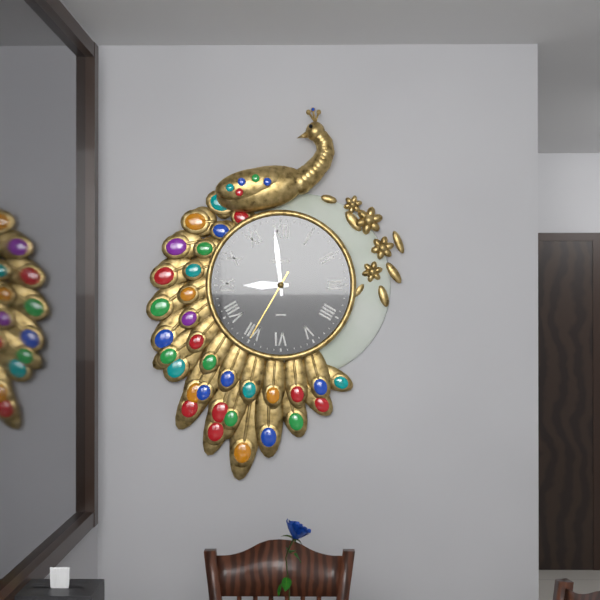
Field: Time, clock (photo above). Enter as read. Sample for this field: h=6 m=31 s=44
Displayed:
h=8 m=59 s=35
